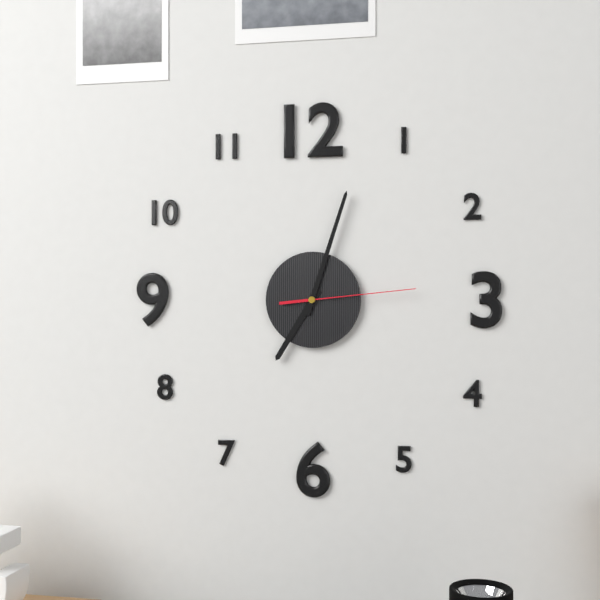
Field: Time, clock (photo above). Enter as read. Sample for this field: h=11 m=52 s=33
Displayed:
h=7 m=3 s=14
